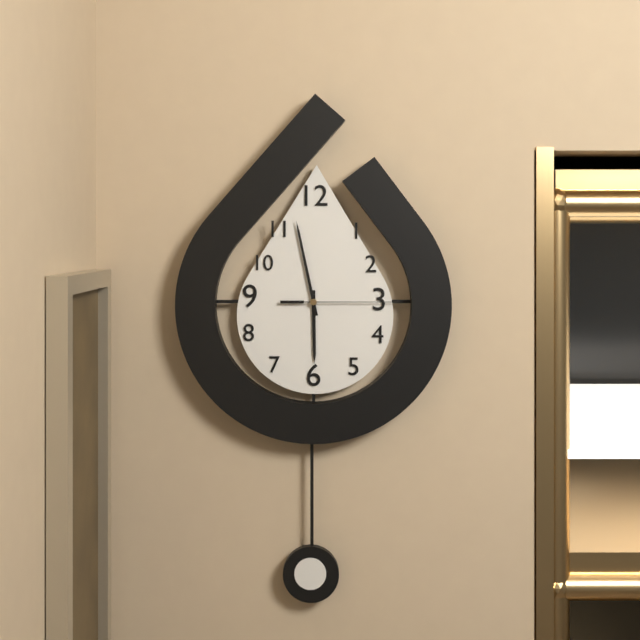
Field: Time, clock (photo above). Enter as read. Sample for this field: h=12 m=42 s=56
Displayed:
h=5 m=58 s=15
